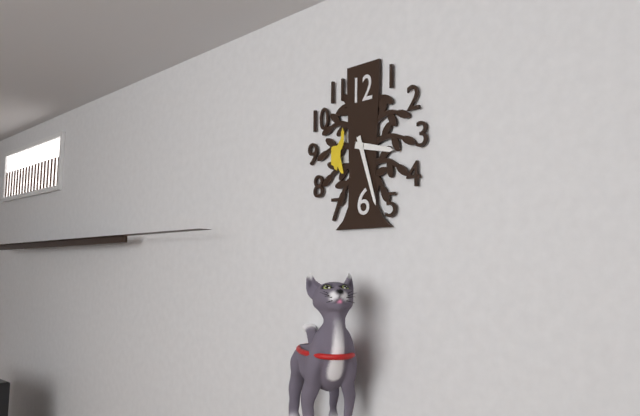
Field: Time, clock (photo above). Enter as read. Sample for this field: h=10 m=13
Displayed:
h=3 m=27
